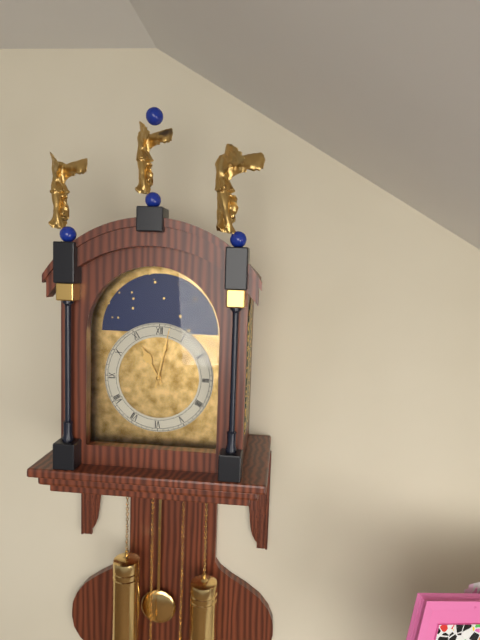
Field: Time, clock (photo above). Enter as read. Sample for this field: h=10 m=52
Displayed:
h=11 m=2
